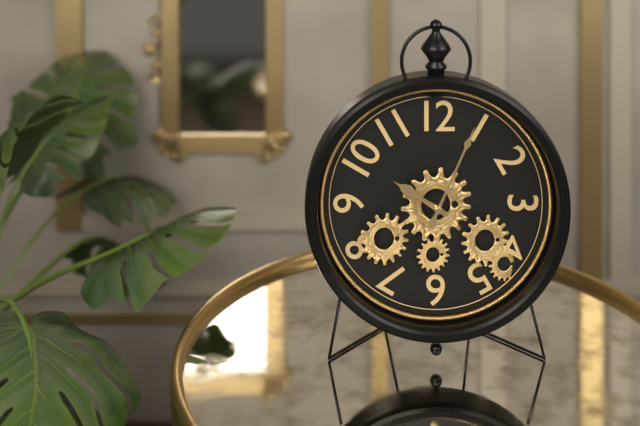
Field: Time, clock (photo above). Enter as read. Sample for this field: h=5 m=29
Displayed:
h=10 m=4
